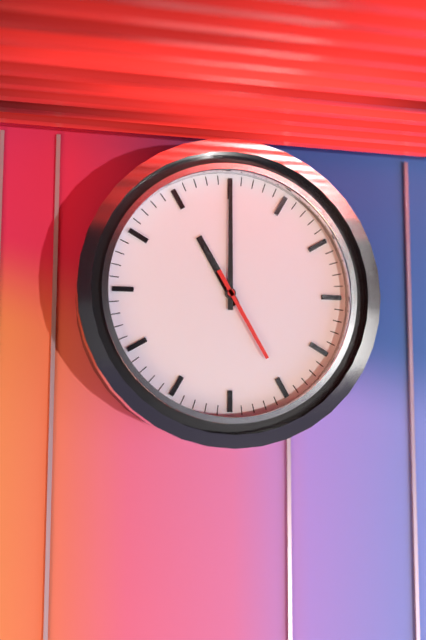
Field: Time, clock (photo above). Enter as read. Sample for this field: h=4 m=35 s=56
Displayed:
h=11 m=0 s=25
